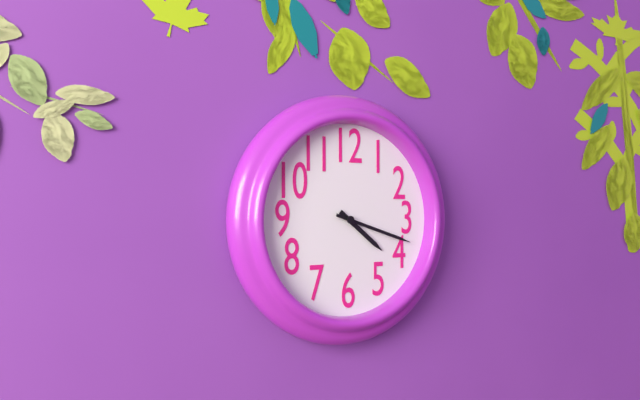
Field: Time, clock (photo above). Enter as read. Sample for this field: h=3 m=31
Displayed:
h=4 m=18
